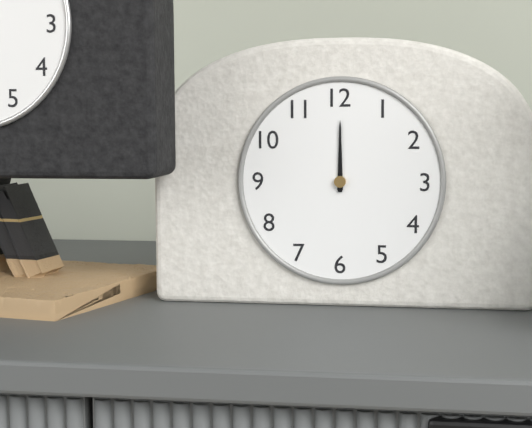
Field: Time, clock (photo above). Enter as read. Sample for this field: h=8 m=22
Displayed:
h=12 m=0
